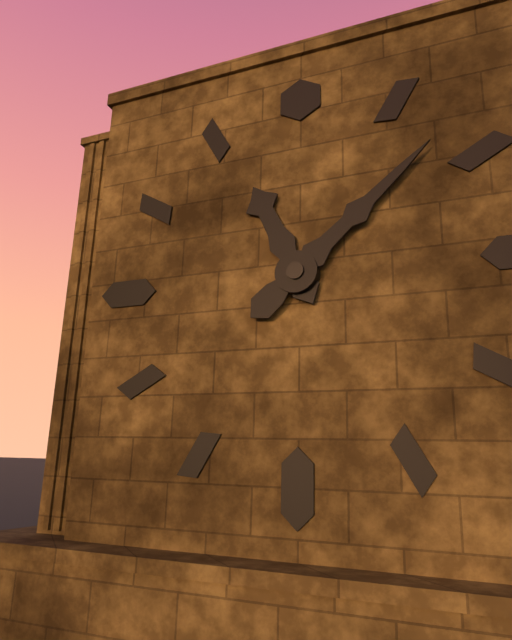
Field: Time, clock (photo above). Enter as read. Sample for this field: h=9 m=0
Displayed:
h=11 m=8
